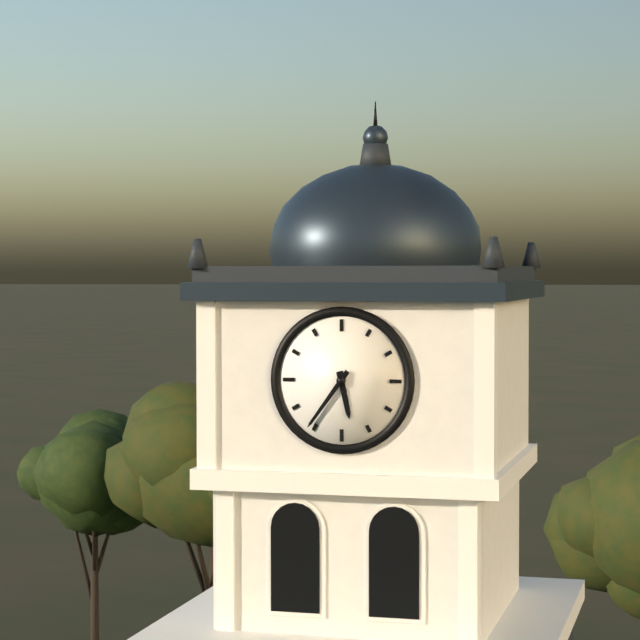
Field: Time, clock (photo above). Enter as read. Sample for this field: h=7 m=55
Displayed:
h=5 m=36
